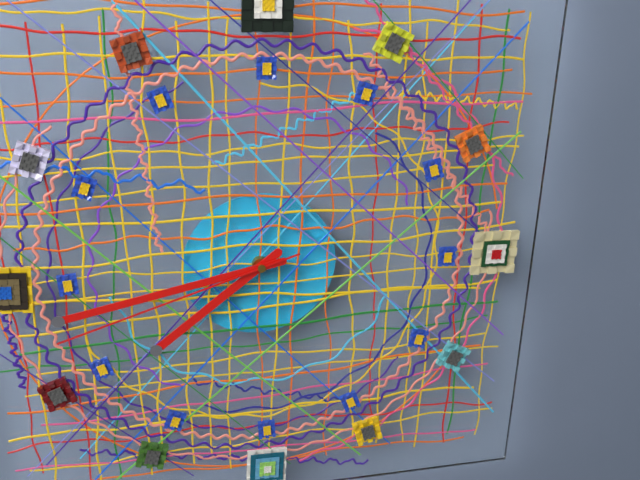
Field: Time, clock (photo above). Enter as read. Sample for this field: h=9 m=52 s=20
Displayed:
h=7 m=43 s=42
